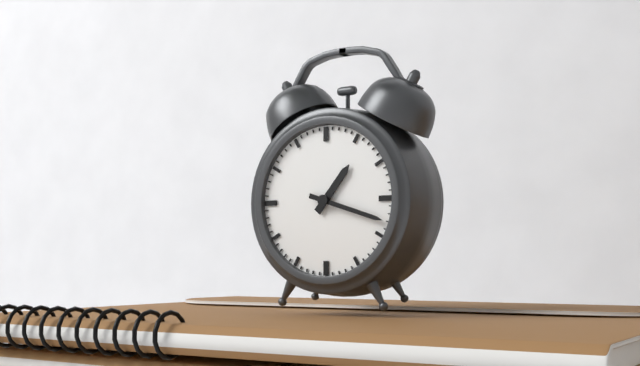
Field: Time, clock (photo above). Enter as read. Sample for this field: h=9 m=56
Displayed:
h=1 m=18
